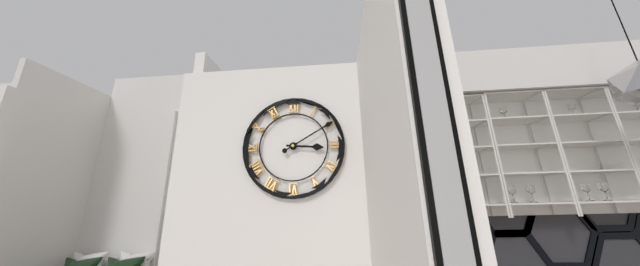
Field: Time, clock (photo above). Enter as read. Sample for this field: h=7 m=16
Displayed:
h=3 m=10
